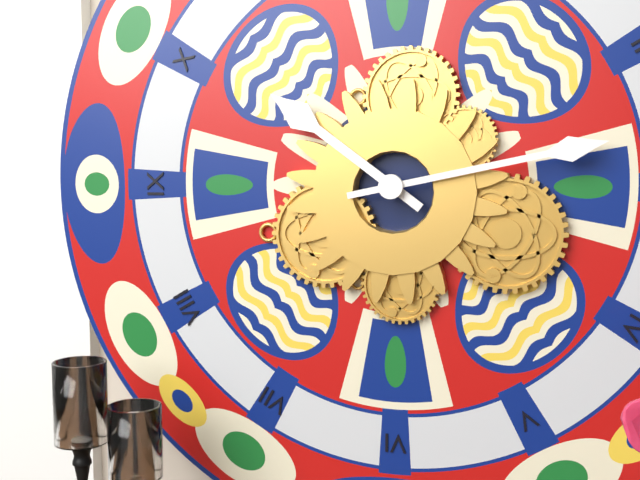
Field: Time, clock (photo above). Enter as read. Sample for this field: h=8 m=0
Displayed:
h=10 m=13
